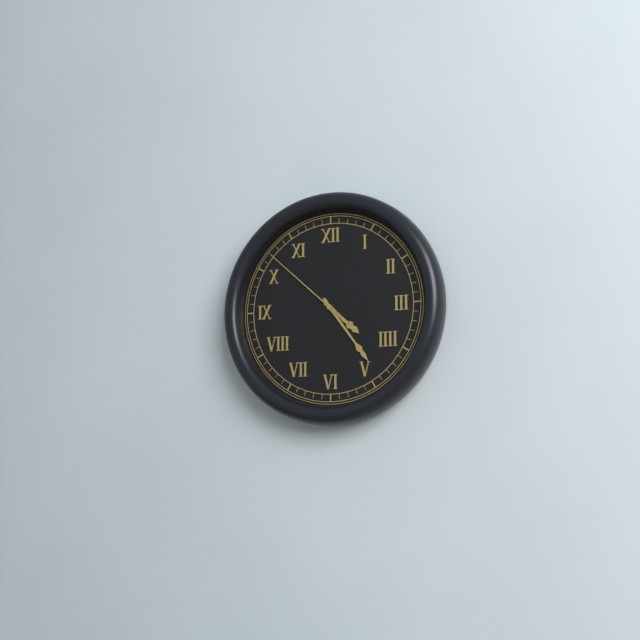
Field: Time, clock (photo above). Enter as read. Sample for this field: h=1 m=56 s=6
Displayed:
h=4 m=24 s=52
